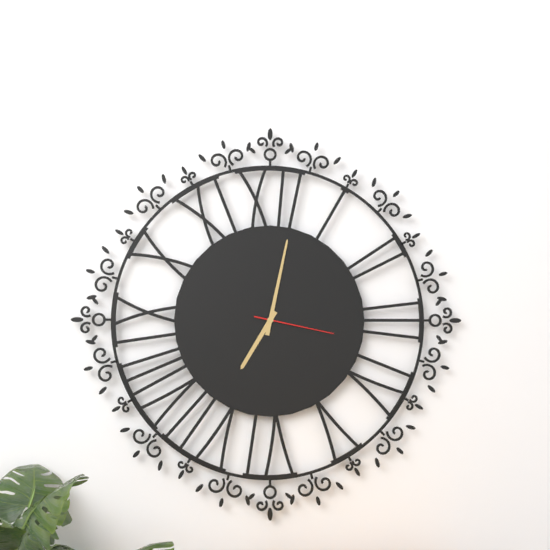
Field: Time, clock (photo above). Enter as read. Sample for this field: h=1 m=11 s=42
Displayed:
h=7 m=2 s=17
